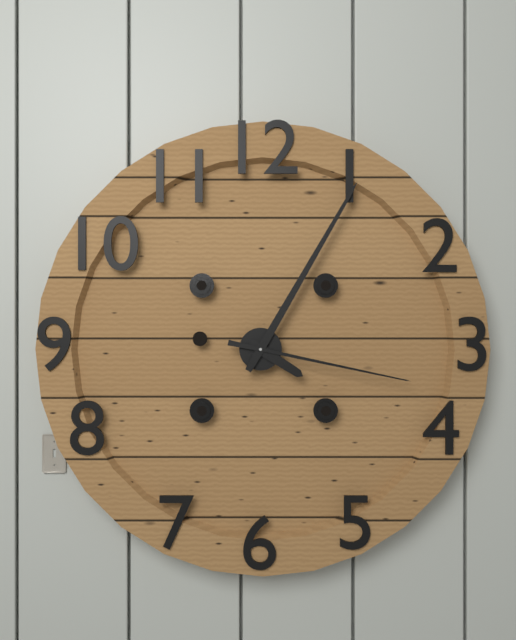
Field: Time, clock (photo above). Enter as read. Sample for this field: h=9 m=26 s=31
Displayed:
h=4 m=5 s=17
